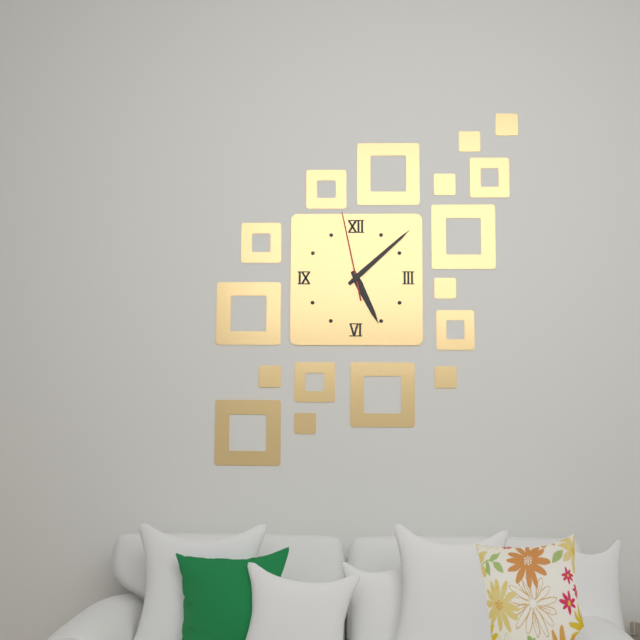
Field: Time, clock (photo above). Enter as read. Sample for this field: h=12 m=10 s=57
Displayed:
h=5 m=8 s=58
